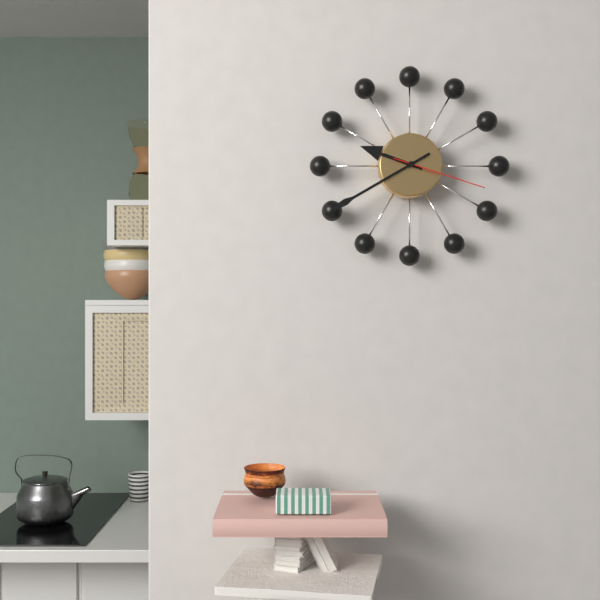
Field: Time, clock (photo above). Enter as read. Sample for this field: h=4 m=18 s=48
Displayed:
h=9 m=40 s=18
